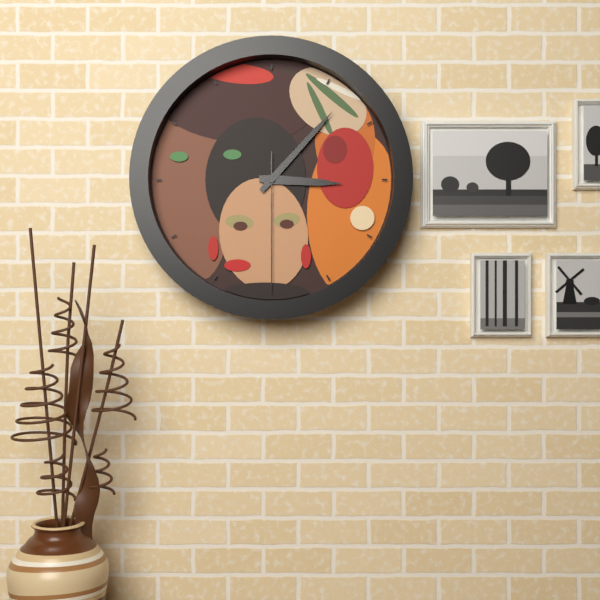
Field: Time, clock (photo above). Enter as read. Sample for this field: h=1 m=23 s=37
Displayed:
h=3 m=7 s=30
